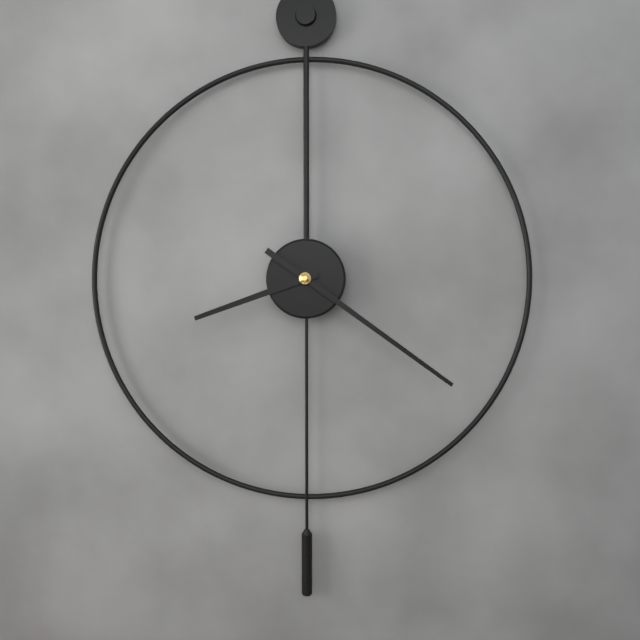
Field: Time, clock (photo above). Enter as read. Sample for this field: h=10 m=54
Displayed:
h=8 m=21
